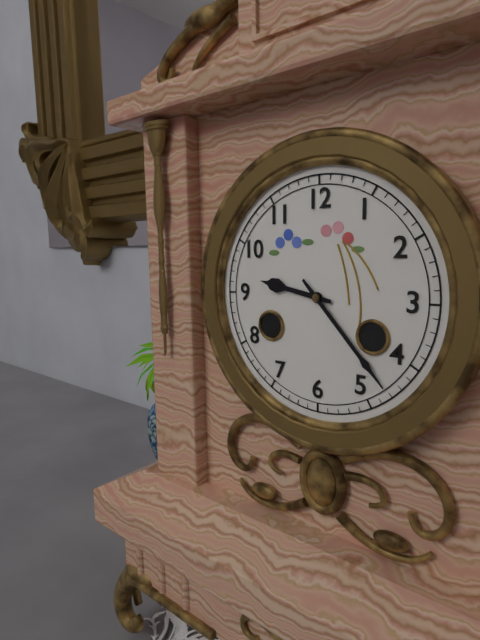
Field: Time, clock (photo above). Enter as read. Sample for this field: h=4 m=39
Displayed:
h=9 m=23
